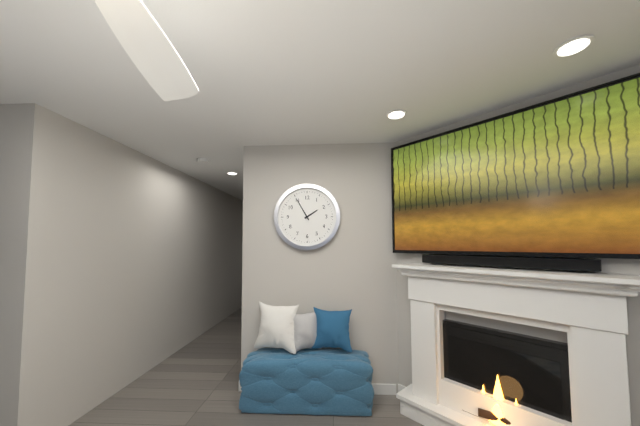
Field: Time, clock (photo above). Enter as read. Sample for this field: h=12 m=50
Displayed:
h=1 m=55
